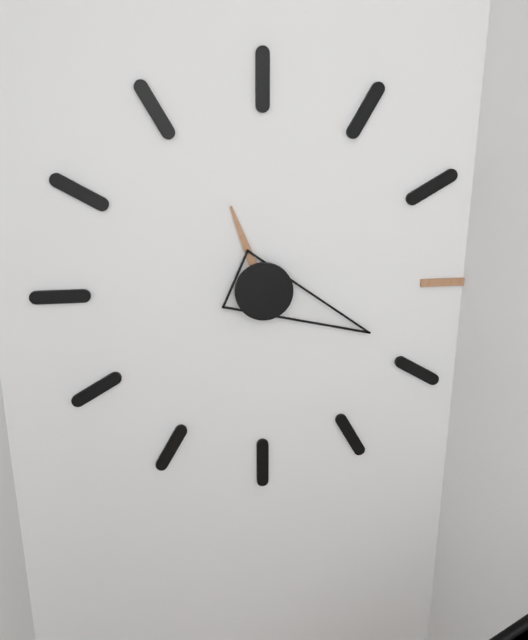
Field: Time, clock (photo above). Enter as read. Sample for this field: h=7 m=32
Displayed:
h=11 m=19
